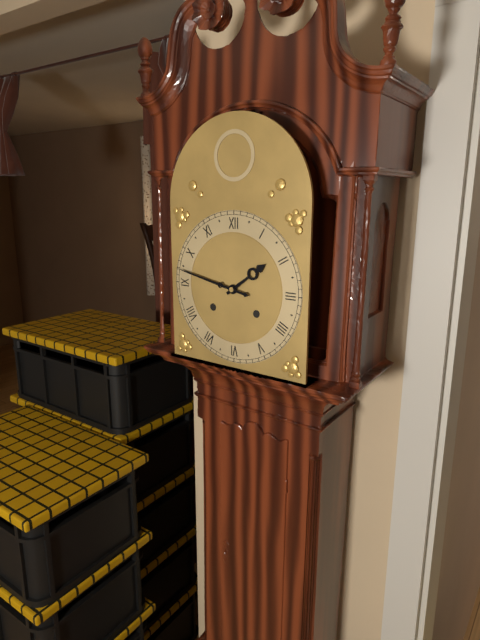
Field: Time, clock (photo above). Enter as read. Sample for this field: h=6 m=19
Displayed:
h=1 m=47
